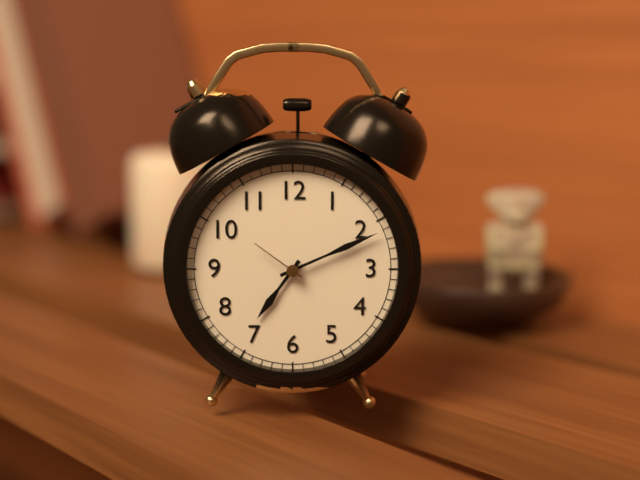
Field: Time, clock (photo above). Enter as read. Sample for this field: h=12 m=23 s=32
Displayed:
h=7 m=11 s=51
